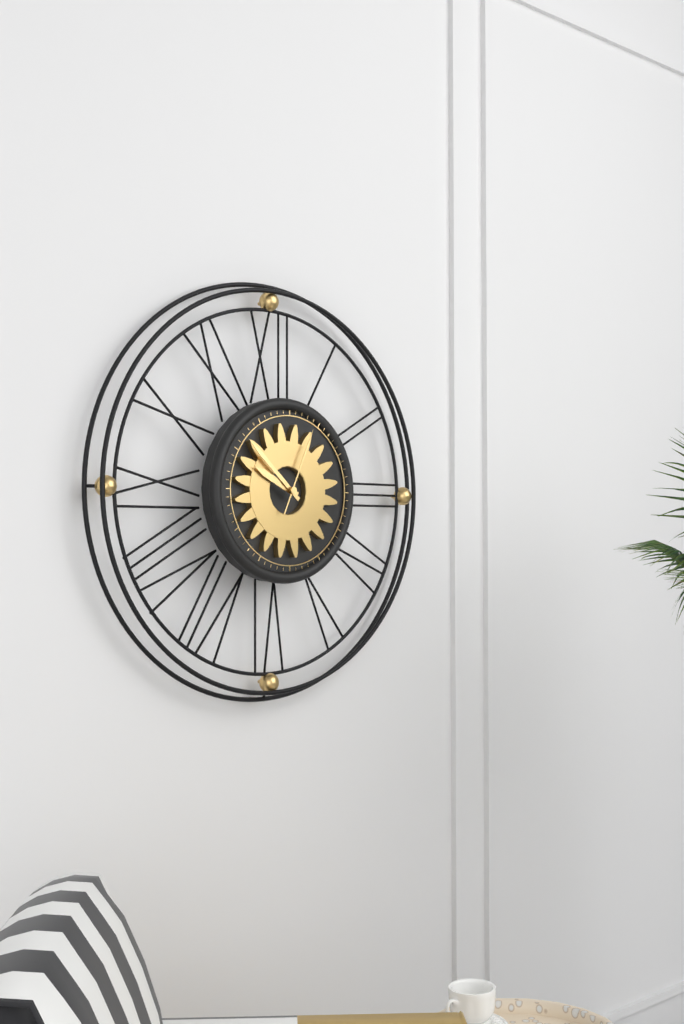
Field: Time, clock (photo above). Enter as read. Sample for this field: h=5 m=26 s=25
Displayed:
h=9 m=52 s=4
